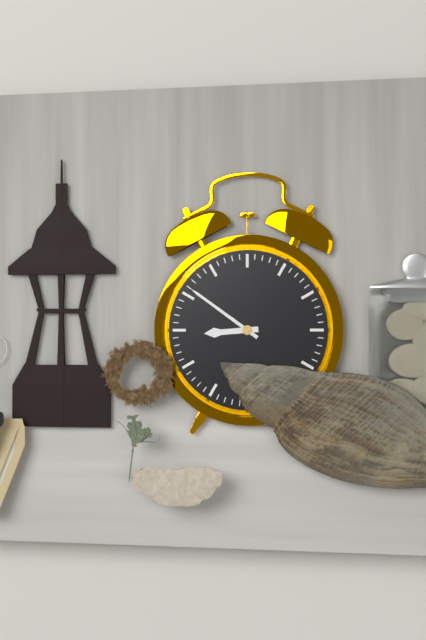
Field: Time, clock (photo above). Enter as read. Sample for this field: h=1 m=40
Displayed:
h=8 m=51
